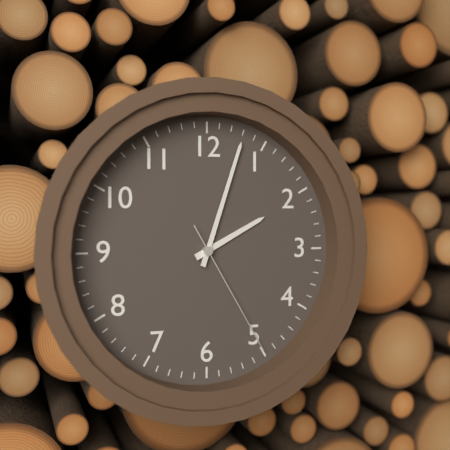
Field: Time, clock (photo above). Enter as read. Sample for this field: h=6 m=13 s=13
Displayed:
h=2 m=3 s=25
